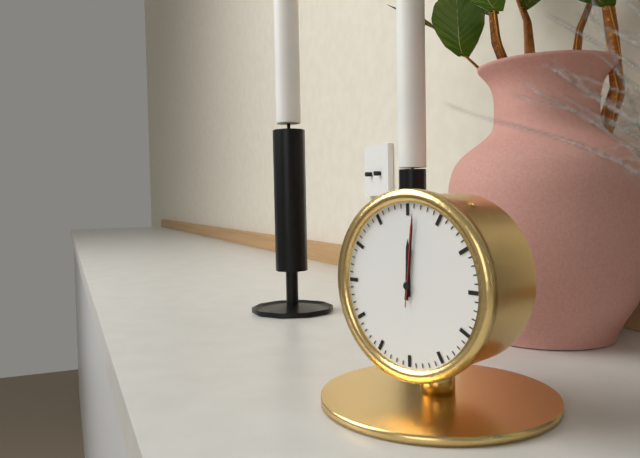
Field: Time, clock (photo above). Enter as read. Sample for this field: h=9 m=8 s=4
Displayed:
h=12 m=1 s=1
